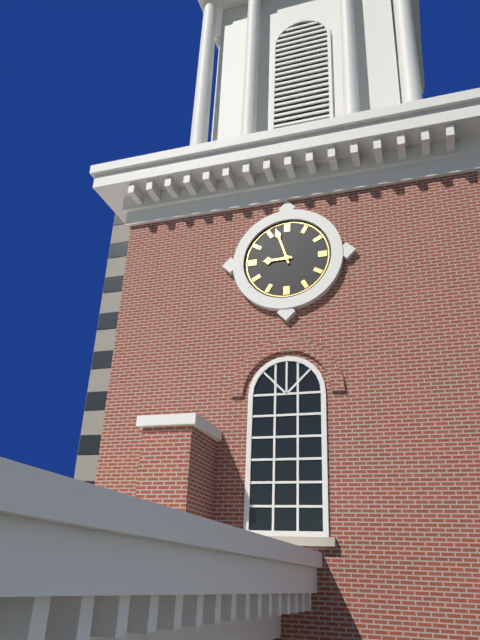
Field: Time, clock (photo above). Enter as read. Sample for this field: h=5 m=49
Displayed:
h=8 m=57
